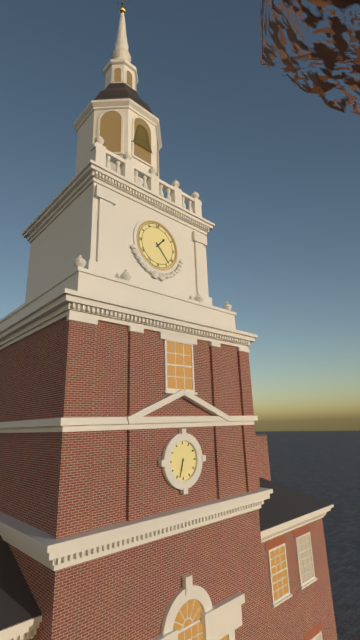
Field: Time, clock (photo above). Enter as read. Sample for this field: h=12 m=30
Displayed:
h=1 m=23
